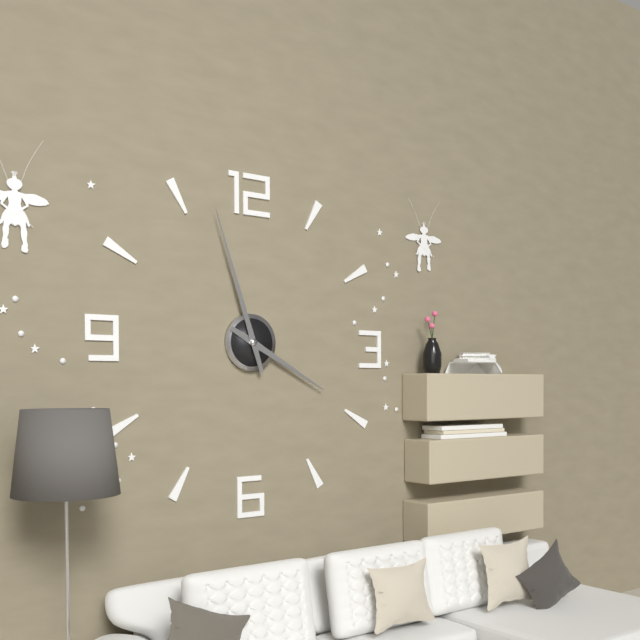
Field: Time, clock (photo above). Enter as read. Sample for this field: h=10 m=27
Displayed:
h=3 m=57
